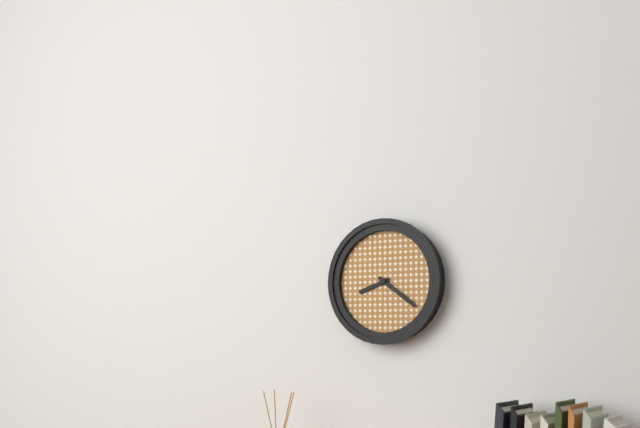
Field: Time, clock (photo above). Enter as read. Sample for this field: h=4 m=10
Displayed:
h=8 m=21
